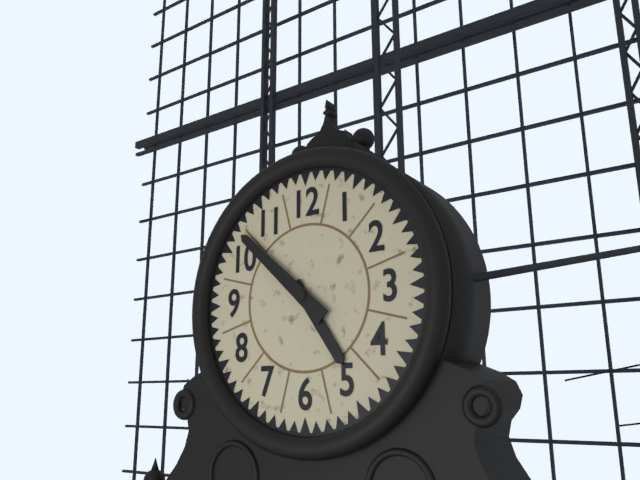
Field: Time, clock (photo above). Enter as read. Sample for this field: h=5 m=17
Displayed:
h=4 m=52
